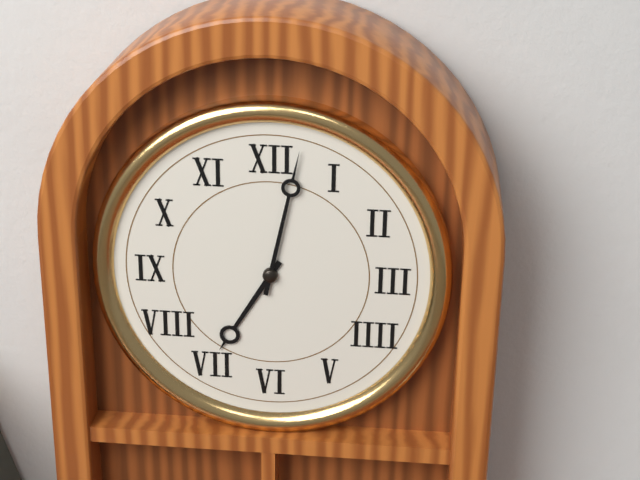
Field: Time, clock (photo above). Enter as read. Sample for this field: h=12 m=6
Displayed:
h=7 m=2
